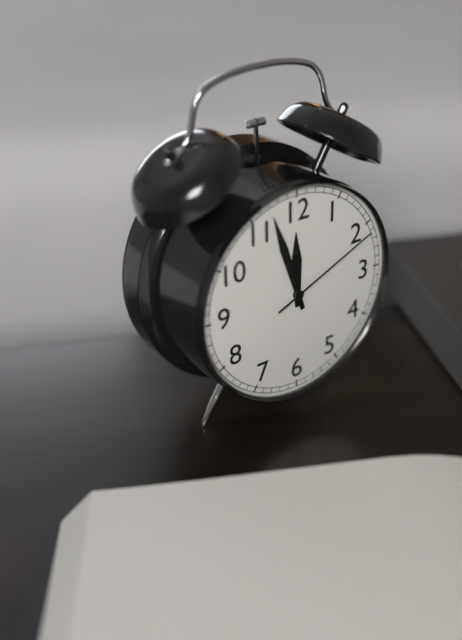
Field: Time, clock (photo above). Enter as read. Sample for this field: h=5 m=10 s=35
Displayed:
h=11 m=57 s=11
